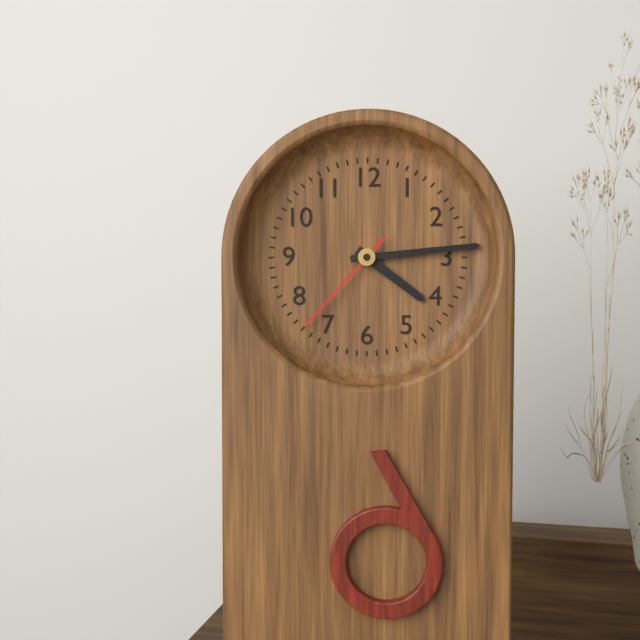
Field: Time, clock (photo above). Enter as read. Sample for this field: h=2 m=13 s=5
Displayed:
h=4 m=14 s=37
